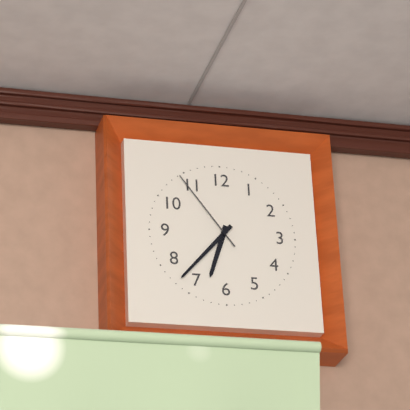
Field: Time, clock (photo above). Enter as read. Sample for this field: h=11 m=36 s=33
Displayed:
h=6 m=37 s=54
